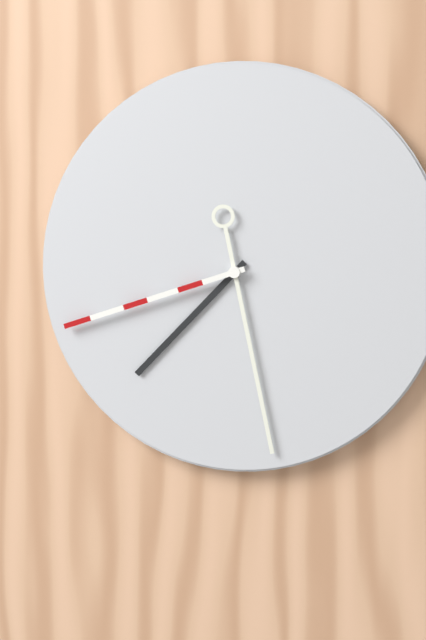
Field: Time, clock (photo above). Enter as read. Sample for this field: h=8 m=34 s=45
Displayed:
h=7 m=28 s=42
